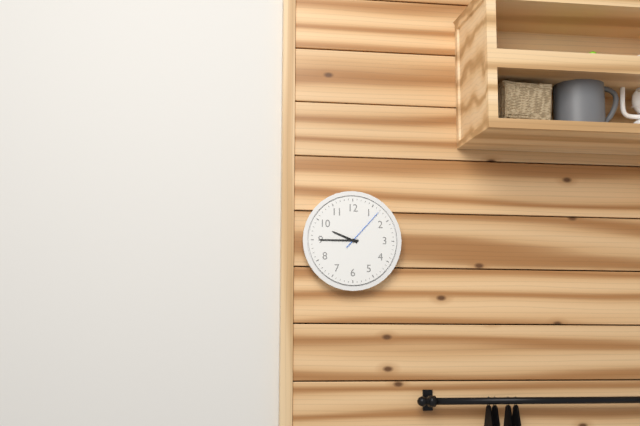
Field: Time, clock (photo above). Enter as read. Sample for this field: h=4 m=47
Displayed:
h=9 m=45
